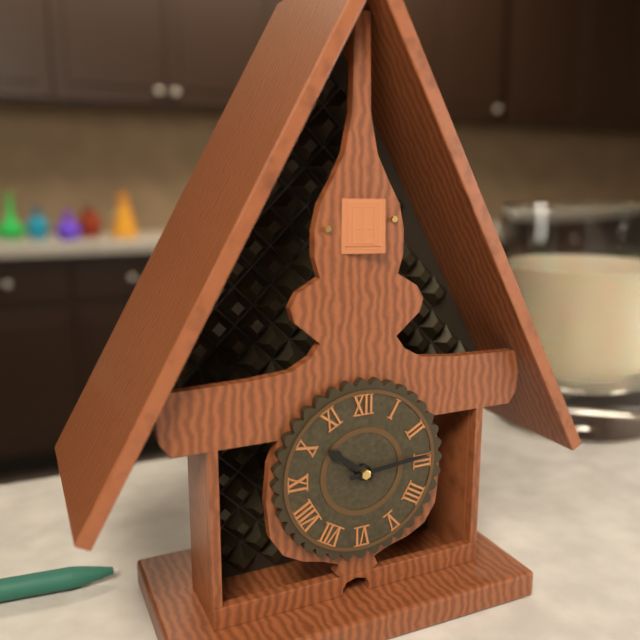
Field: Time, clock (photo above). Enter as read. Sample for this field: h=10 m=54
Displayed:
h=10 m=14
